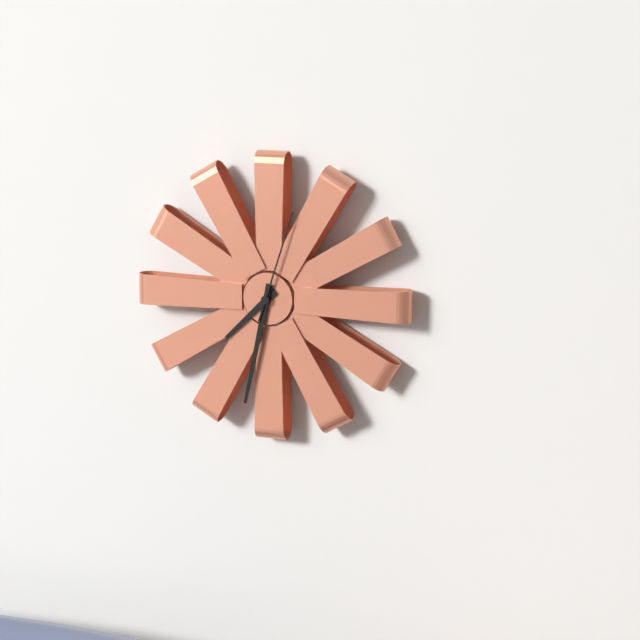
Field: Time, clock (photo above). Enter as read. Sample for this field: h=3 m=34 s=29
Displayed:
h=7 m=32 s=3
